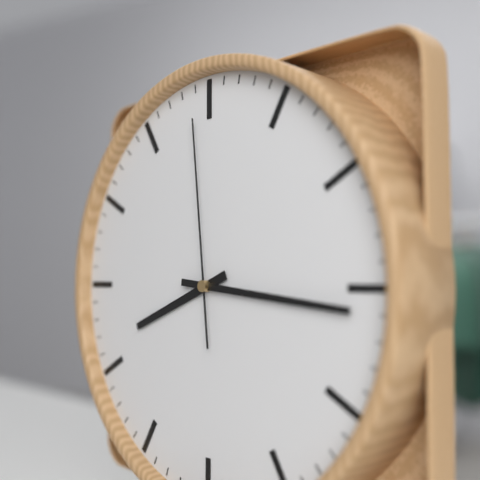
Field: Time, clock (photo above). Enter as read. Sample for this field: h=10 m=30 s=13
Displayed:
h=8 m=16 s=59
